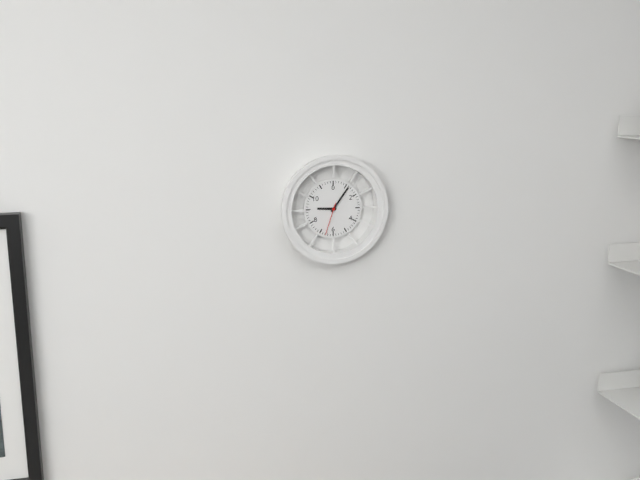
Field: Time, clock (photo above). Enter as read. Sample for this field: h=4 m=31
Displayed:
h=9 m=6
